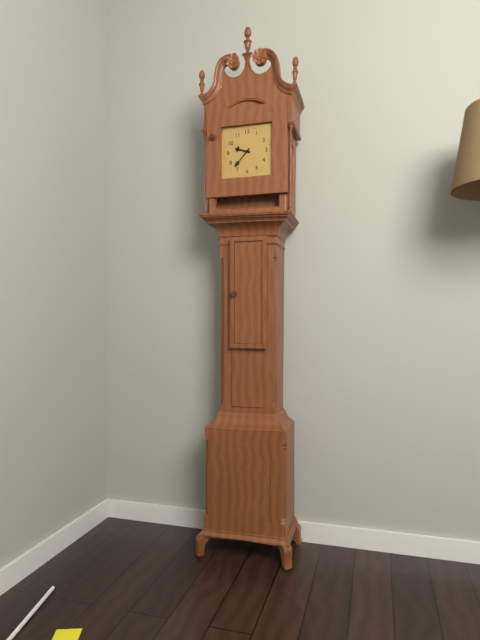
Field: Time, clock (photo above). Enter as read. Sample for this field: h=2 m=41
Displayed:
h=9 m=37
